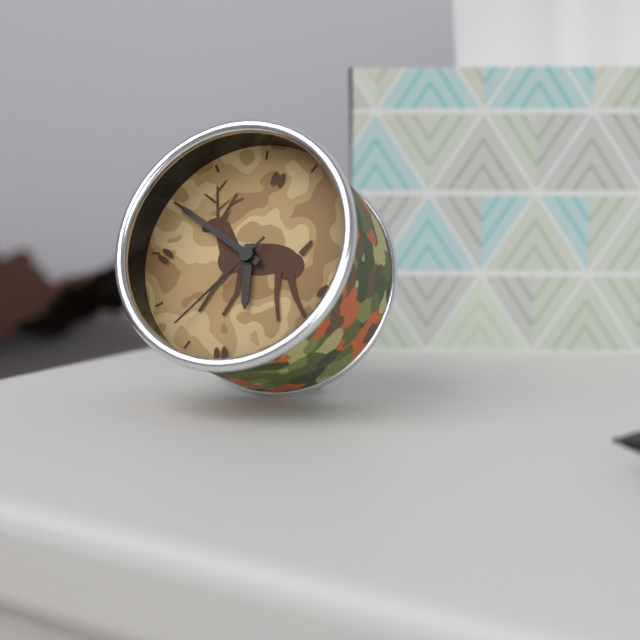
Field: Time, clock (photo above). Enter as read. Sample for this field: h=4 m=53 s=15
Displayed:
h=5 m=50 s=37
